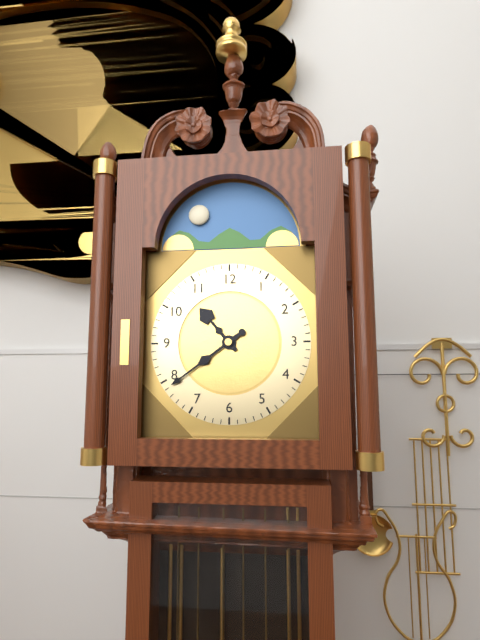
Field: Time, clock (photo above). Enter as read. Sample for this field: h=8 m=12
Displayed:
h=10 m=39
